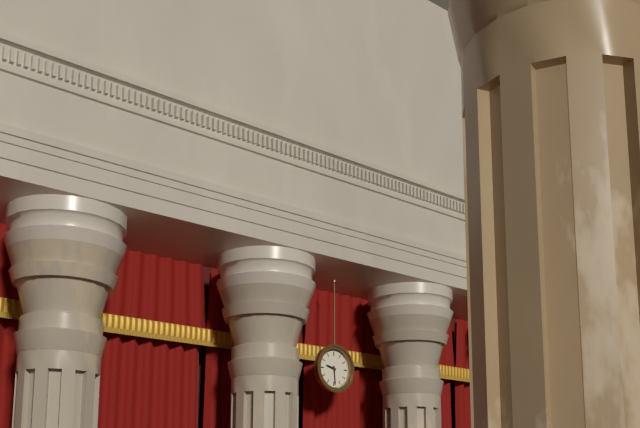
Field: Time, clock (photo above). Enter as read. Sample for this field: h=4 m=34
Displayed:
h=9 m=29
